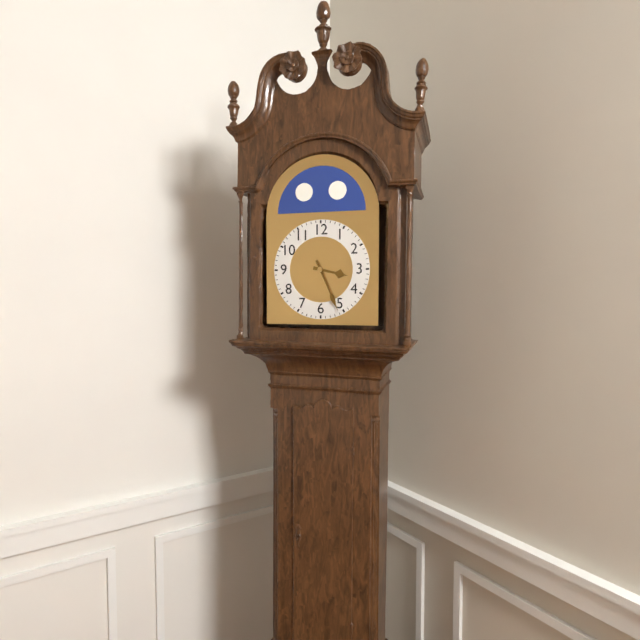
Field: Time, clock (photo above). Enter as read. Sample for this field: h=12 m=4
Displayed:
h=3 m=26
